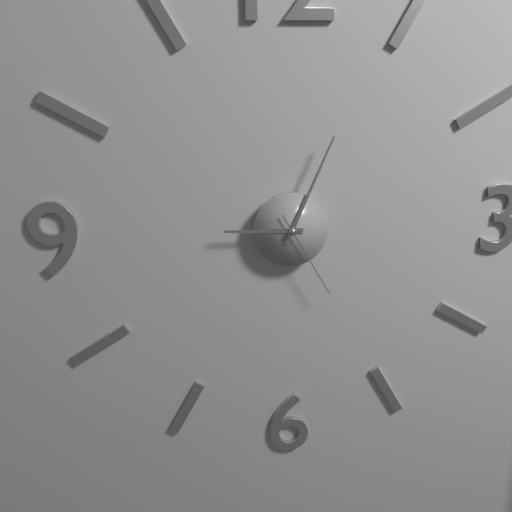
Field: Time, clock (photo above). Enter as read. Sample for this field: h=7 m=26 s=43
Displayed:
h=9 m=4 s=25
